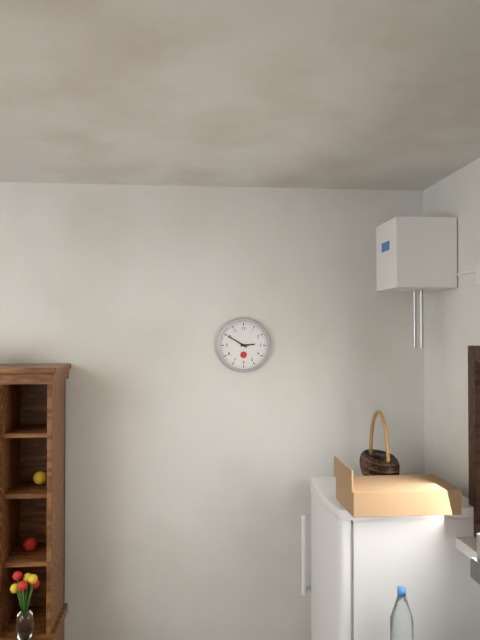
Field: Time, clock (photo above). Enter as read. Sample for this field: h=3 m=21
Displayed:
h=2 m=50
